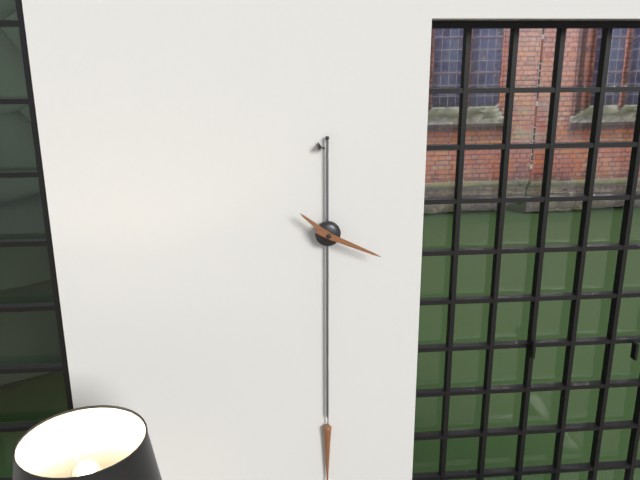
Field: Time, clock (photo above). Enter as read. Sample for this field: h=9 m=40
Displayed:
h=10 m=19
